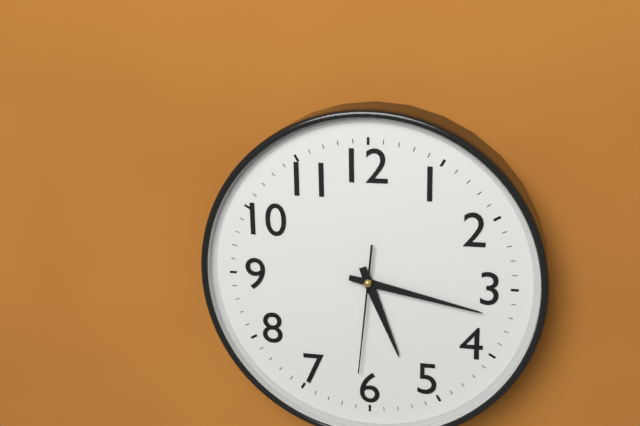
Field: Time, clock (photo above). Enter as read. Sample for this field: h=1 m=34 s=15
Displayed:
h=5 m=17 s=31
